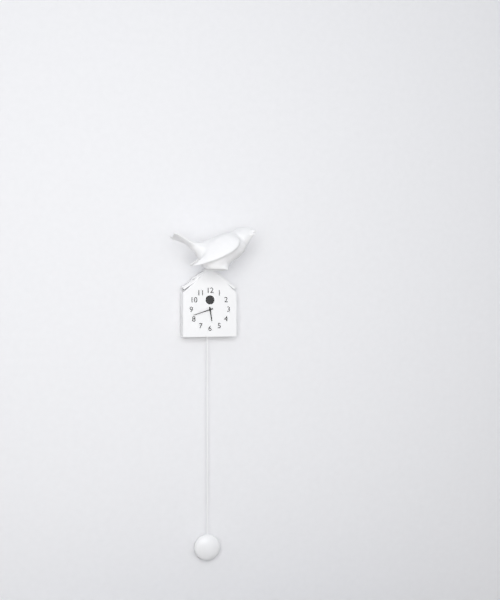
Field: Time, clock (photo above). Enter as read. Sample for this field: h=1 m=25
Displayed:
h=5 m=42
